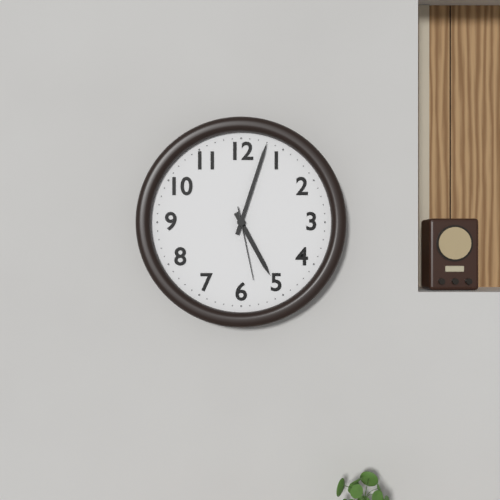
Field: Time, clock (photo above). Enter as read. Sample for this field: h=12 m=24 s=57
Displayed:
h=5 m=3 s=28
